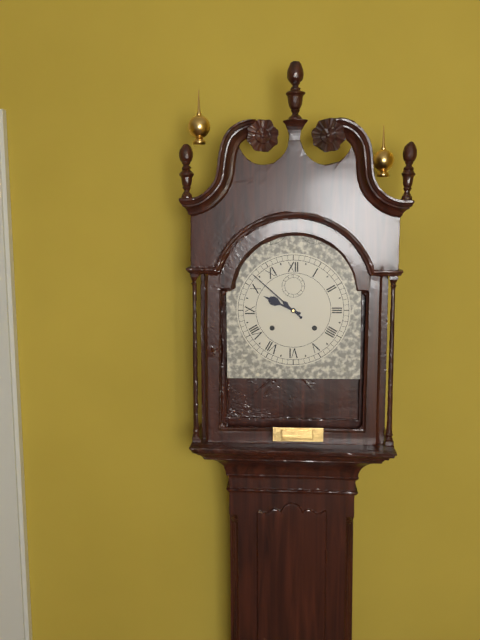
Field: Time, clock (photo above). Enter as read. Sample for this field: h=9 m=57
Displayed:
h=9 m=52
